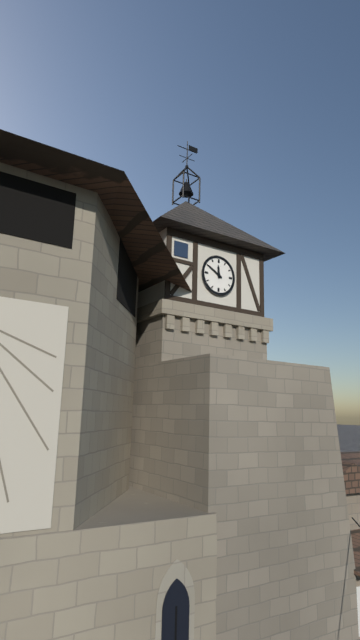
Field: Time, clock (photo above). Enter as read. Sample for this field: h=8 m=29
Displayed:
h=11 m=50
